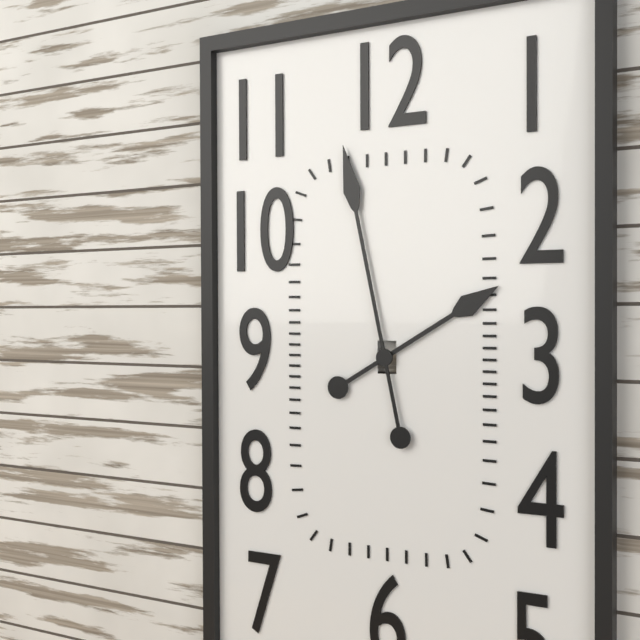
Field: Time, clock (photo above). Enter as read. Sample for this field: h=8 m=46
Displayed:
h=1 m=58
